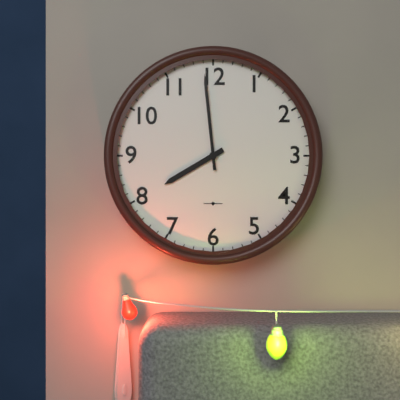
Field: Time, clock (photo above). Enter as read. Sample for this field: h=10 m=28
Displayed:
h=7 m=59
